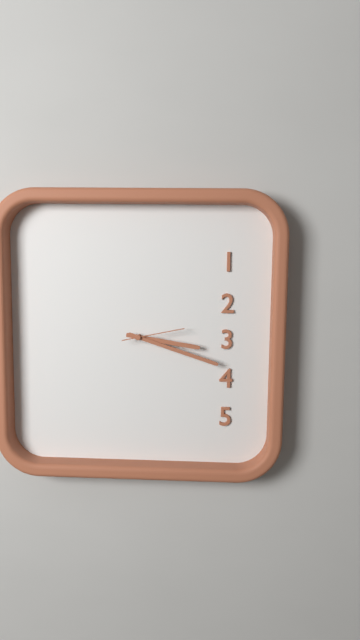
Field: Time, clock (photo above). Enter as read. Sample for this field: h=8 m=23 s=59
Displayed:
h=3 m=18 s=13
